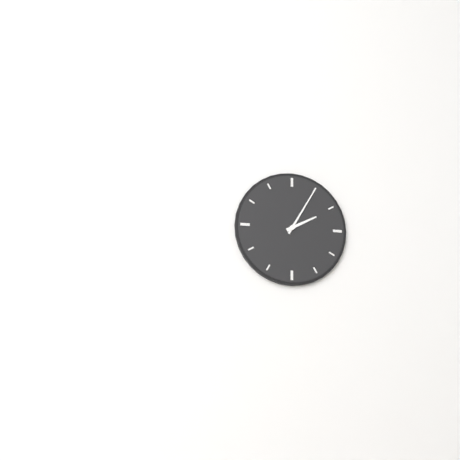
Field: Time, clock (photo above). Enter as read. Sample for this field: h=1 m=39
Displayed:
h=2 m=5
